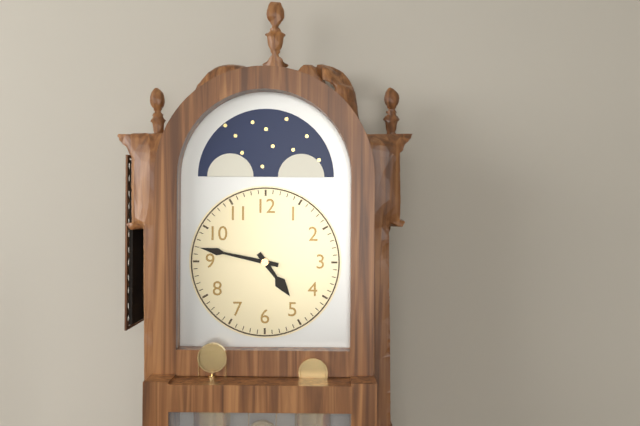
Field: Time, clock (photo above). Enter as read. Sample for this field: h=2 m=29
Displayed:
h=4 m=47
